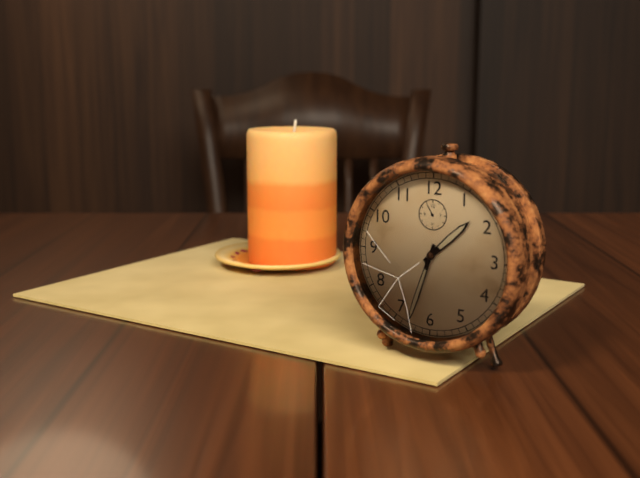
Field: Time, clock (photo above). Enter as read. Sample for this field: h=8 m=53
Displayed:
h=1 m=33
